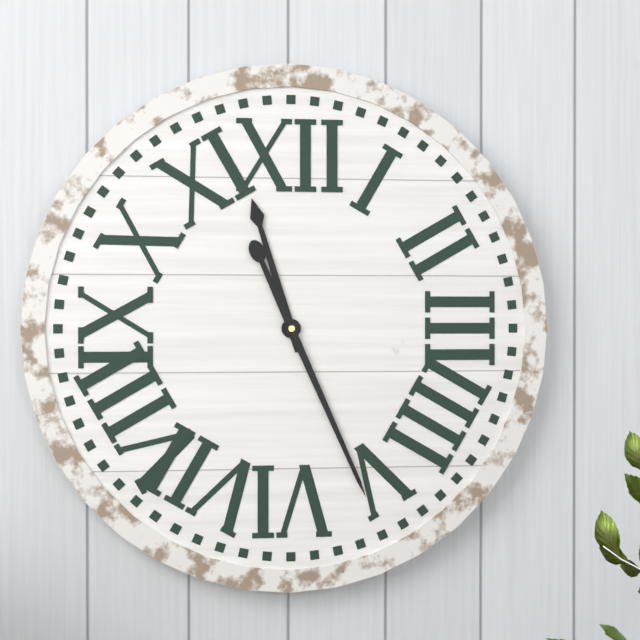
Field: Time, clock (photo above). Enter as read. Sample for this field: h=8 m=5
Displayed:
h=11 m=26
